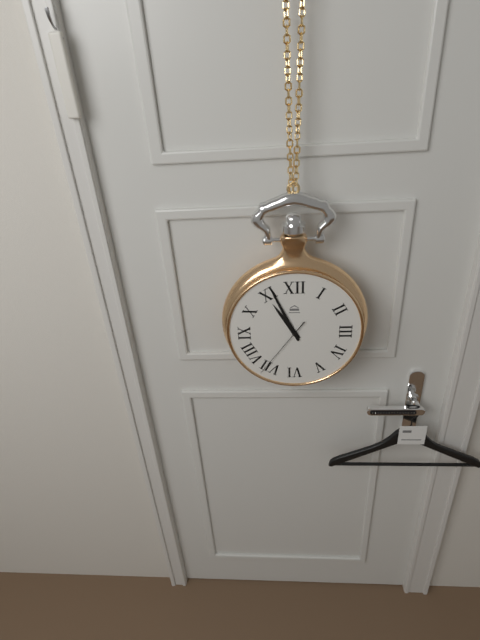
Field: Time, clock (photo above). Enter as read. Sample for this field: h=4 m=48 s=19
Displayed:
h=10 m=56 s=36
